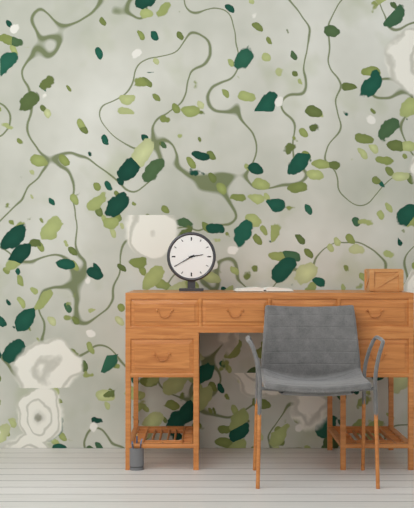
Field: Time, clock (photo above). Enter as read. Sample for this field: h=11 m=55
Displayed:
h=2 m=40
